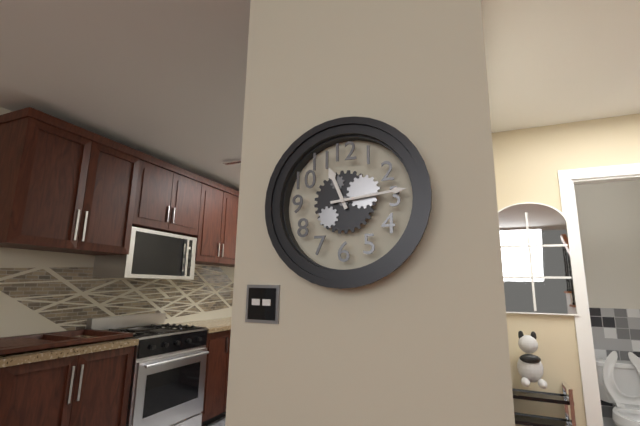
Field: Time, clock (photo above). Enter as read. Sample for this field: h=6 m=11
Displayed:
h=11 m=14
